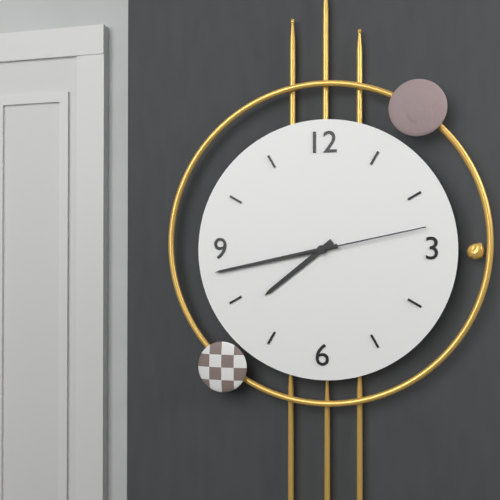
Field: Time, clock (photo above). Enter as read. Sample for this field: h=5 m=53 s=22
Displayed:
h=7 m=43 s=13
